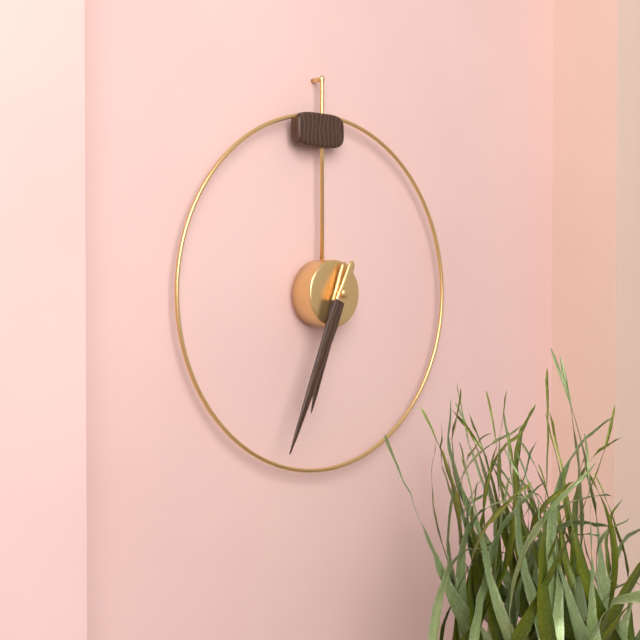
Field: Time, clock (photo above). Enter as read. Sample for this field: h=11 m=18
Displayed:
h=6 m=34
